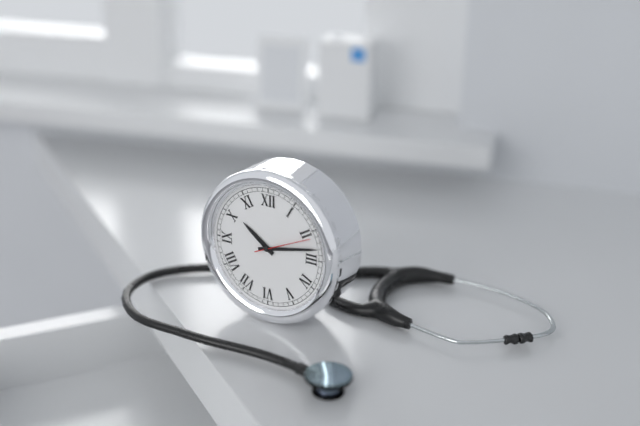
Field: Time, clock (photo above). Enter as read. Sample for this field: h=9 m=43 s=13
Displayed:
h=10 m=13 s=11
